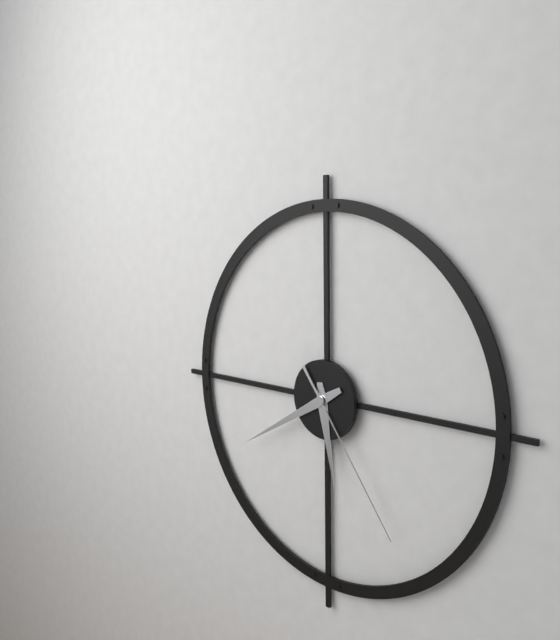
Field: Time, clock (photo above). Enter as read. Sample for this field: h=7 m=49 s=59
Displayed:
h=5 m=40 s=24
